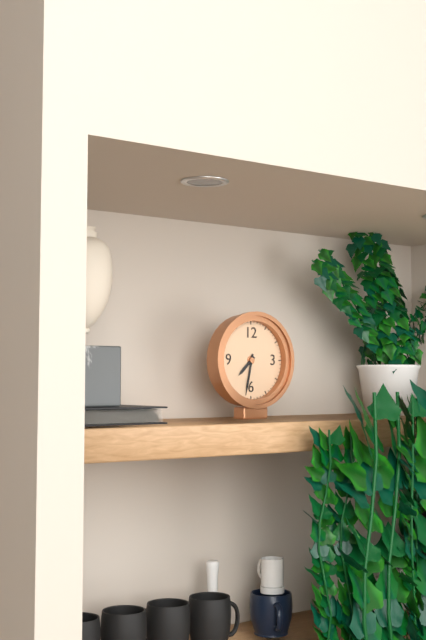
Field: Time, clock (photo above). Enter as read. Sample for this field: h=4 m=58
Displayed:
h=7 m=32
